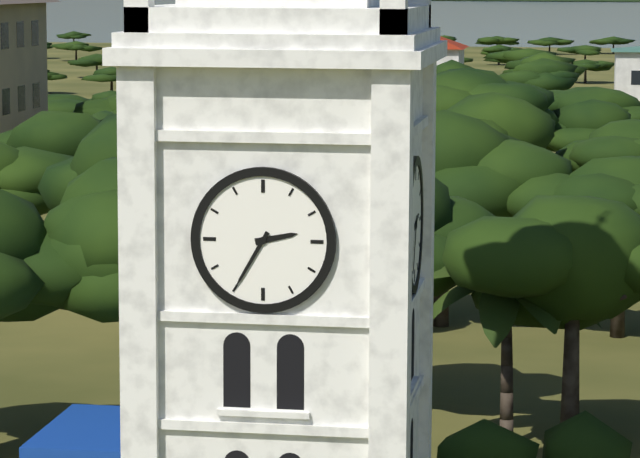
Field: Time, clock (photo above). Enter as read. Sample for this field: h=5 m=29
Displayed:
h=2 m=35
